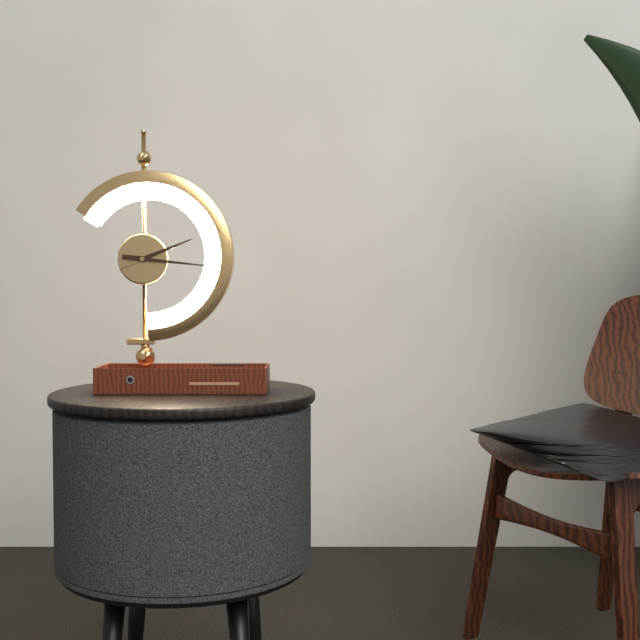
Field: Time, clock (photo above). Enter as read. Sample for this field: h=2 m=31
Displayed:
h=2 m=16
